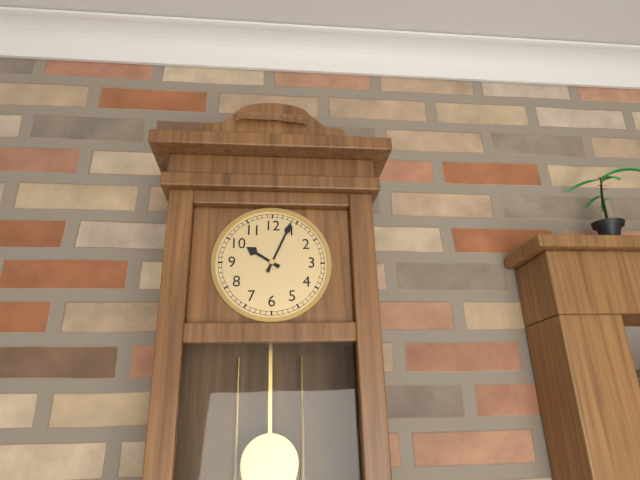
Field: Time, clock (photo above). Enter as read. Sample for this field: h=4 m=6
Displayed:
h=10 m=4
